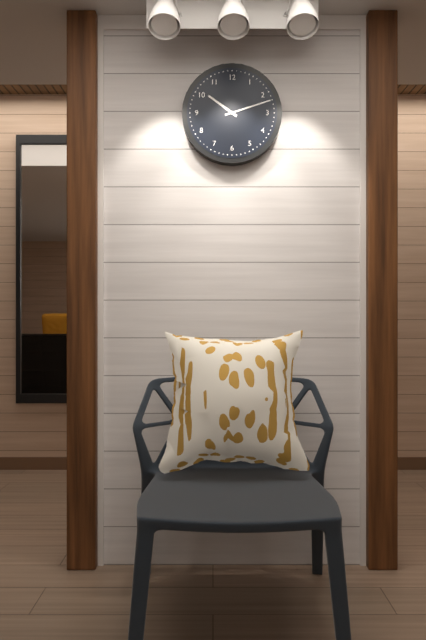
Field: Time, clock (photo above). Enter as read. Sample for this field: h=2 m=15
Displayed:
h=10 m=12
